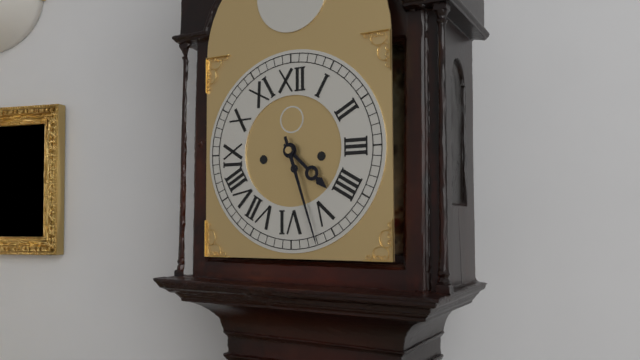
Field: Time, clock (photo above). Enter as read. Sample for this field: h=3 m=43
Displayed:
h=4 m=27
